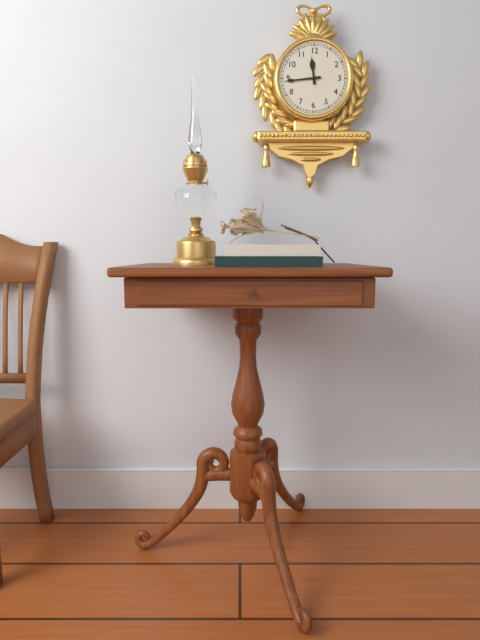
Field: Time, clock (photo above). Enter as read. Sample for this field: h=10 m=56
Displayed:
h=11 m=44
